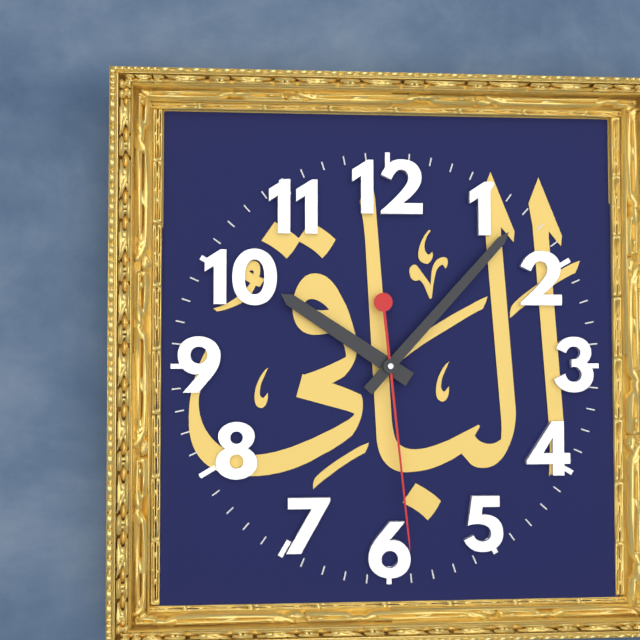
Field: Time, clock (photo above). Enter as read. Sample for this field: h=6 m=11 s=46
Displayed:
h=10 m=7 s=29
